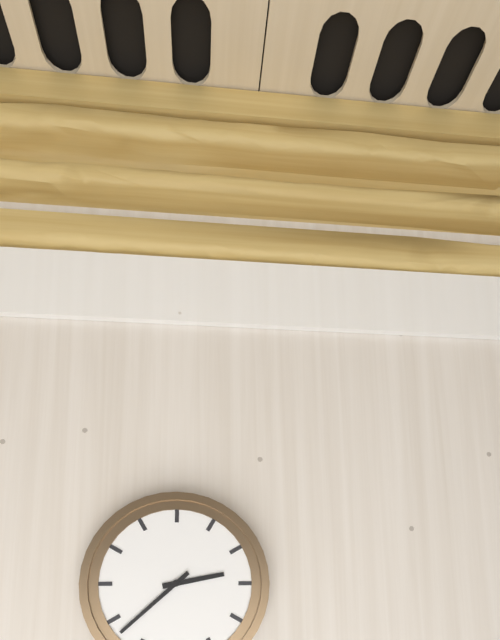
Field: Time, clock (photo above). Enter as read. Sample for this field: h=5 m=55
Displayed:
h=2 m=38
